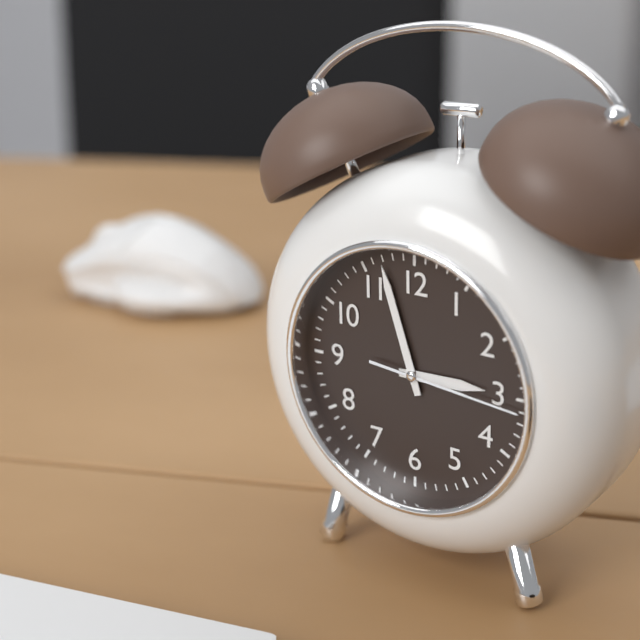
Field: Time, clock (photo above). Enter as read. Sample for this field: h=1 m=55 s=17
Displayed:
h=2 m=57 s=16
